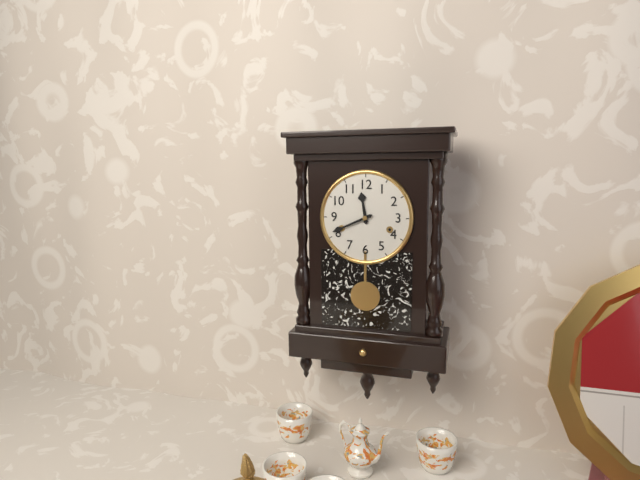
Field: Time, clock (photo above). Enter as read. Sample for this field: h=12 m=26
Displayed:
h=11 m=41
